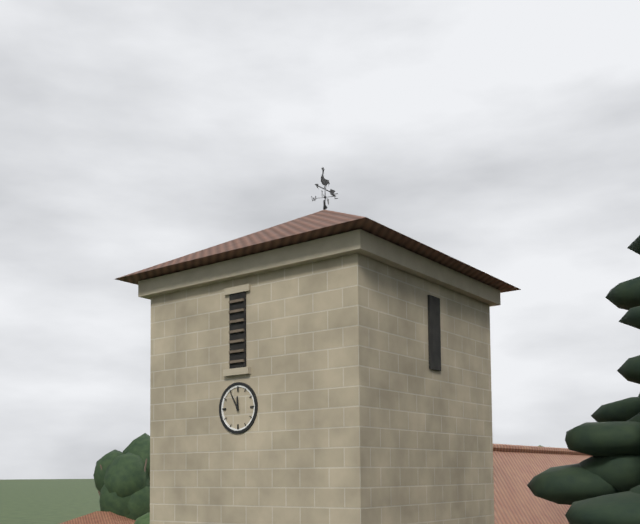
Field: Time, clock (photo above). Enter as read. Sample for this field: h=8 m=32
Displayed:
h=11 m=55
